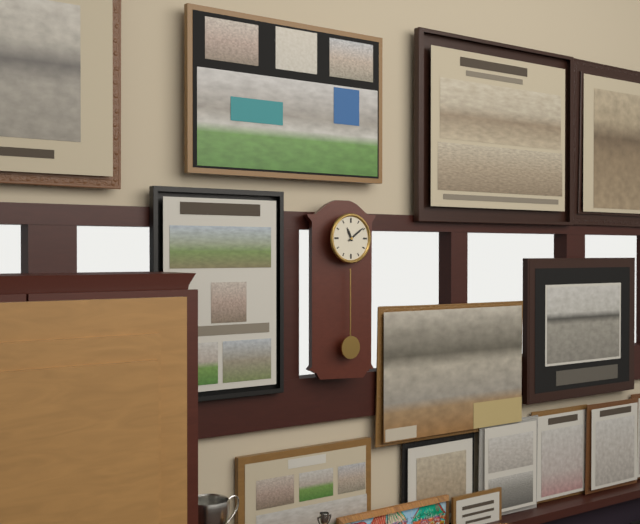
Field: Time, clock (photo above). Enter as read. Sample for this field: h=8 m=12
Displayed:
h=11 m=9
